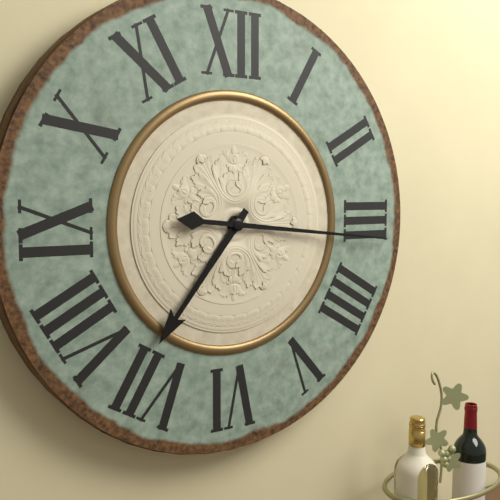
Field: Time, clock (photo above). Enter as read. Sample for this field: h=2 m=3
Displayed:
h=7 m=16
